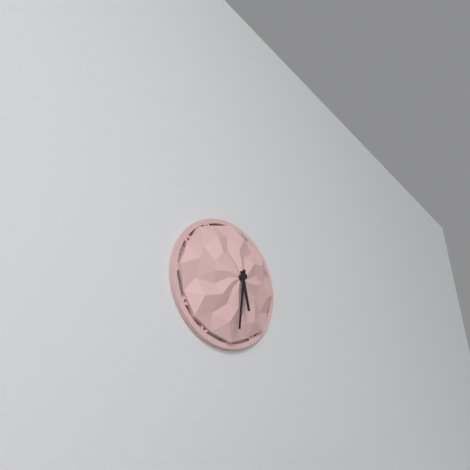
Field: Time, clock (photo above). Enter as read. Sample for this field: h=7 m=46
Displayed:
h=5 m=31
